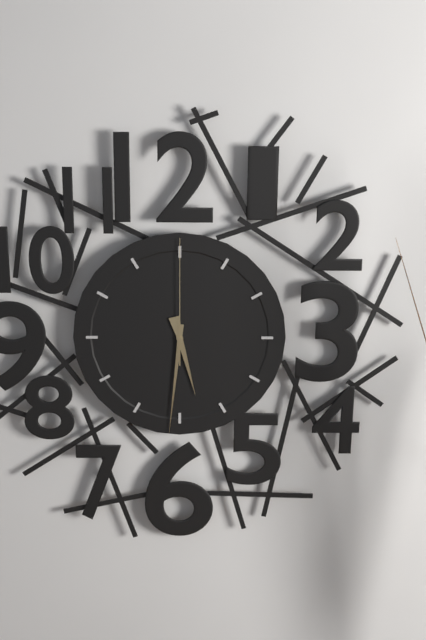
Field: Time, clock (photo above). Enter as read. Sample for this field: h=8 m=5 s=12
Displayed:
h=5 m=31 s=0
